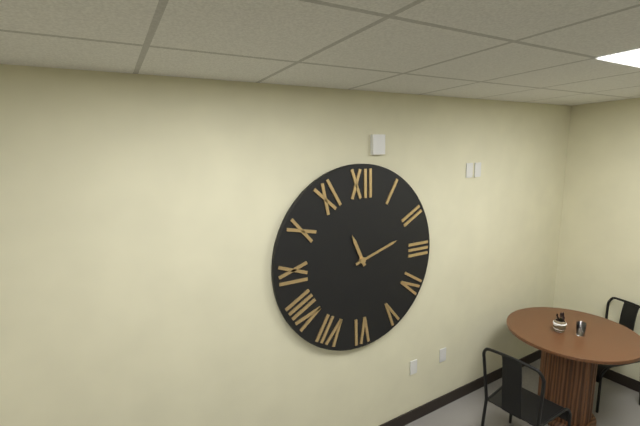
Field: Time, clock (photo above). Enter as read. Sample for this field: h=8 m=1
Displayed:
h=11 m=12
